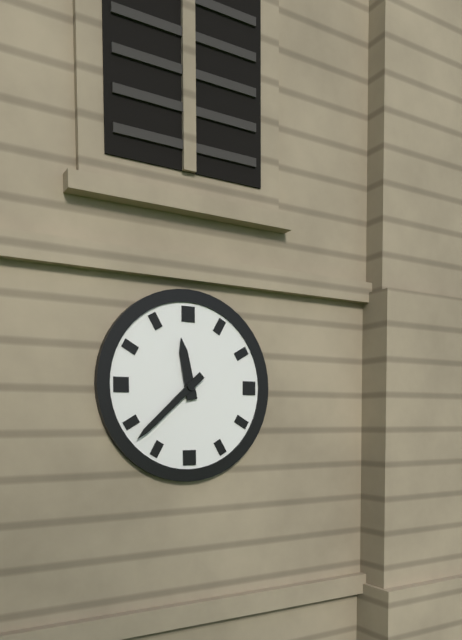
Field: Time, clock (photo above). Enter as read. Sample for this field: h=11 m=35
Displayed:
h=11 m=38
